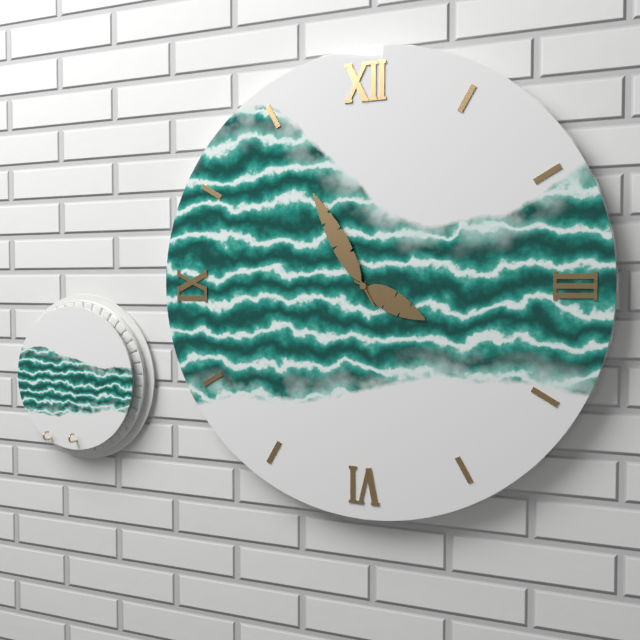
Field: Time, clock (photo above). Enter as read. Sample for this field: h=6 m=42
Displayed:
h=3 m=55
